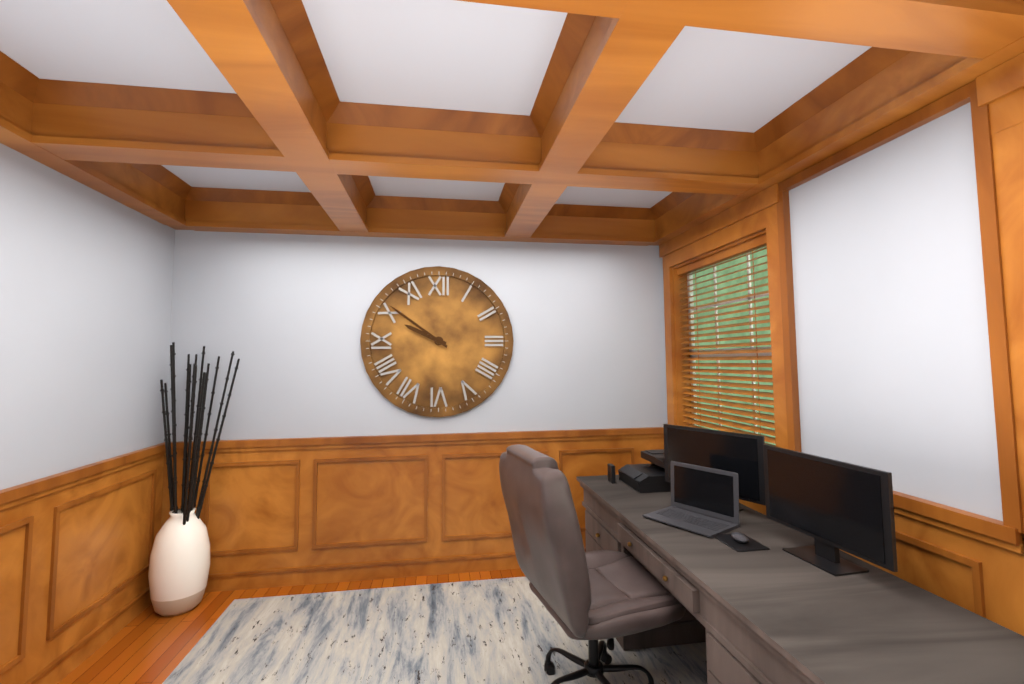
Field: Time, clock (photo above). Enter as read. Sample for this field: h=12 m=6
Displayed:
h=9 m=51
